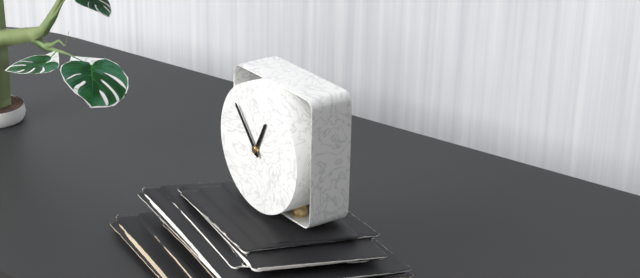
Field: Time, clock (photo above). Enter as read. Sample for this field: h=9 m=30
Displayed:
h=12 m=53
